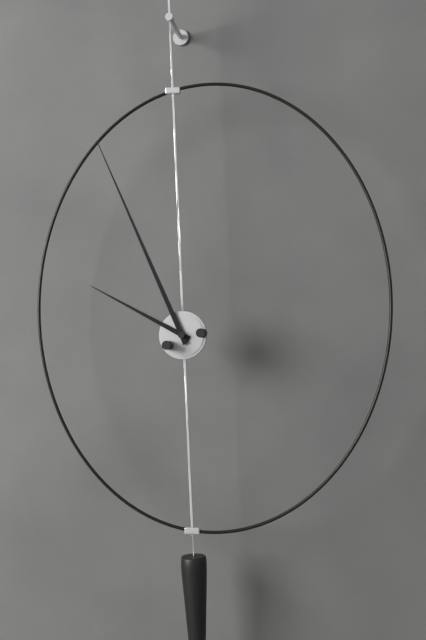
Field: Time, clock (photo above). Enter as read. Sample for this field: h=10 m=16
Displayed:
h=9 m=56
